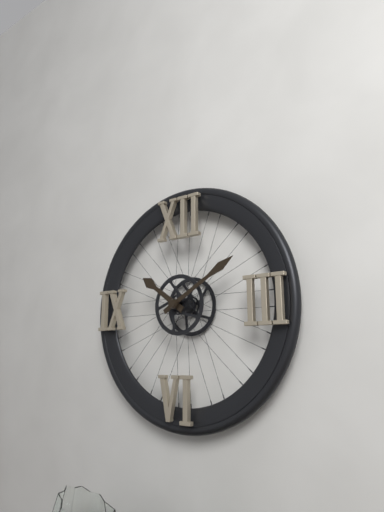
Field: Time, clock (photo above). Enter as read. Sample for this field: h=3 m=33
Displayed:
h=10 m=10
